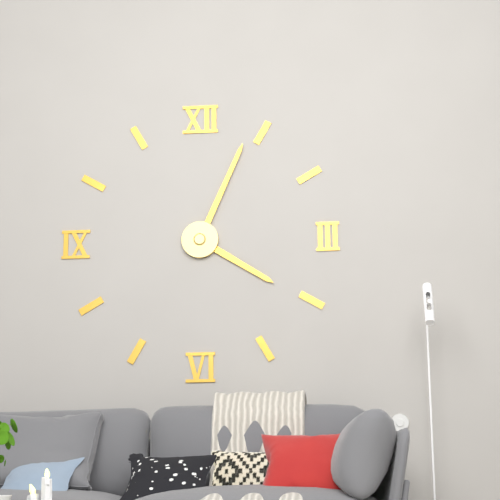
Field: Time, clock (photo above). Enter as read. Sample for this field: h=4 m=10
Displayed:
h=4 m=4
